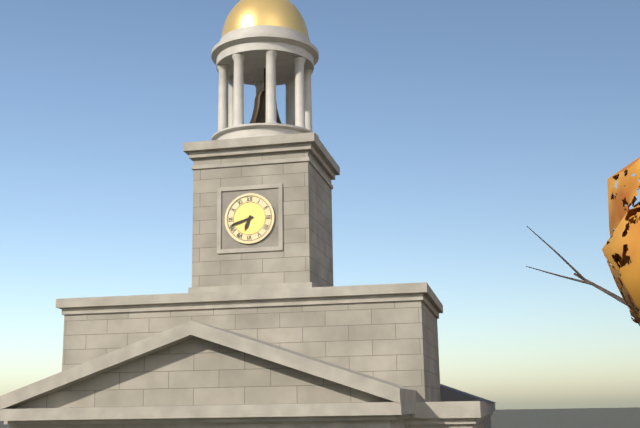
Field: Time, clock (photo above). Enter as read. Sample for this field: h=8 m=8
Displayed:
h=6 m=42
